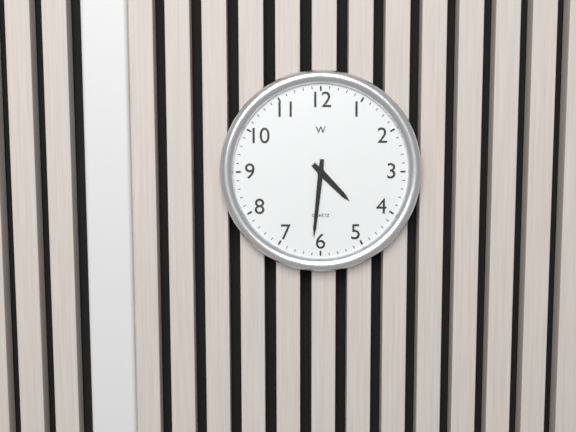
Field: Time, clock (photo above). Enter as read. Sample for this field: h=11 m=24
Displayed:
h=4 m=31
